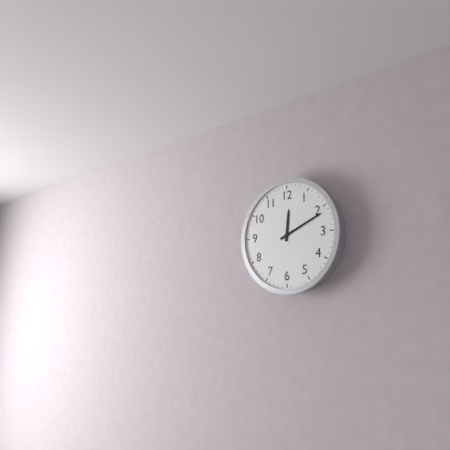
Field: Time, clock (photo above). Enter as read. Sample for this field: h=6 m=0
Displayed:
h=12 m=11
